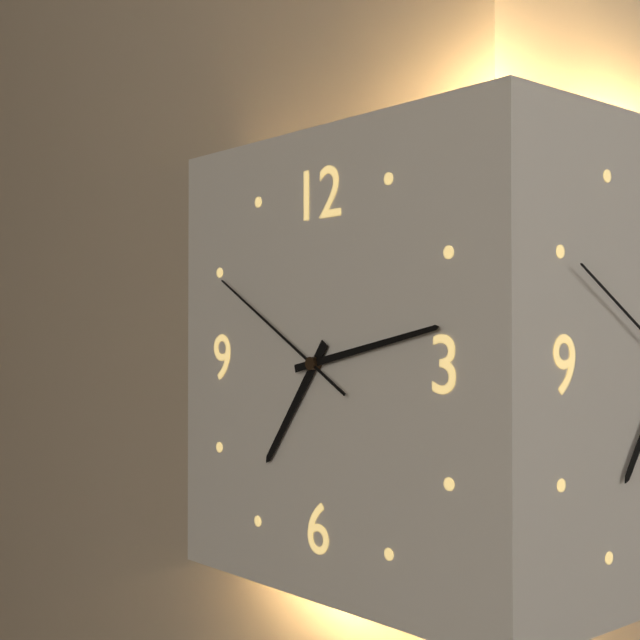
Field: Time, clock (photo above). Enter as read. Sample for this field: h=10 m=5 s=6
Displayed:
h=7 m=13 s=50
